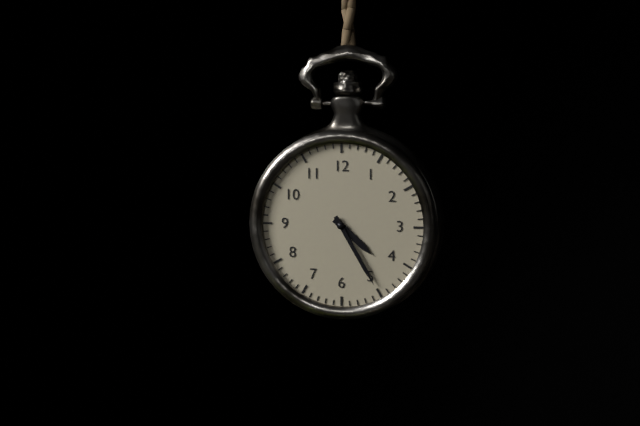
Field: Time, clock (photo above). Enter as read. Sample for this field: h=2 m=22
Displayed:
h=4 m=25
